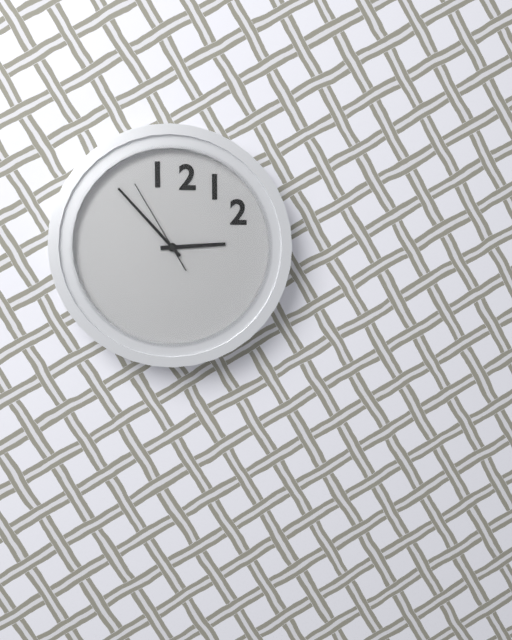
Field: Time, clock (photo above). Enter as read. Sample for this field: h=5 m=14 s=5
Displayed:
h=2 m=53 s=55
